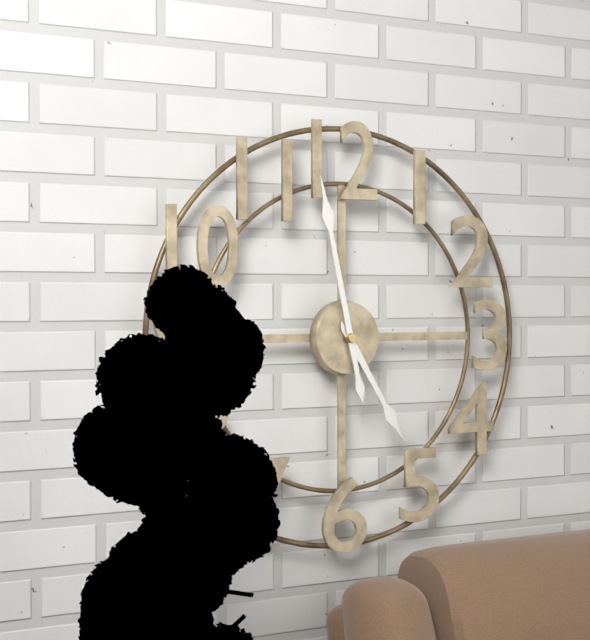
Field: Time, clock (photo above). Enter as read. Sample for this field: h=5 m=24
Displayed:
h=4 m=58
